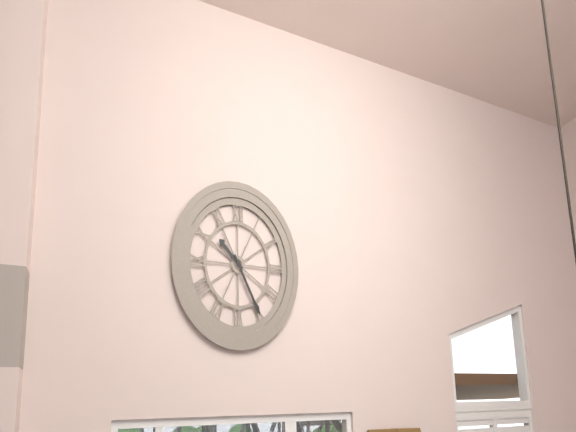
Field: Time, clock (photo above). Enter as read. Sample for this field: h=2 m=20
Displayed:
h=10 m=25
